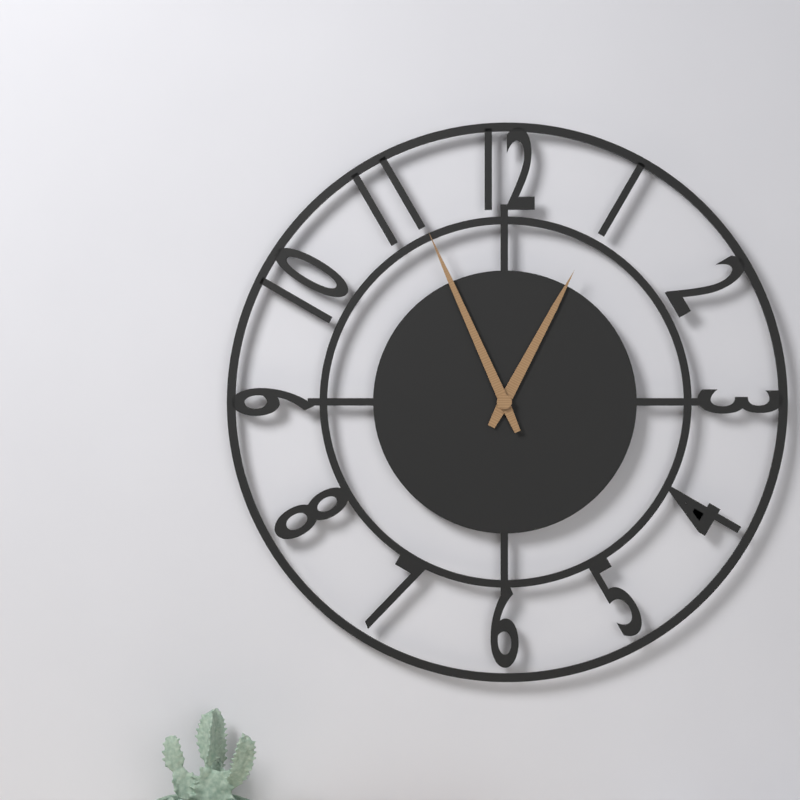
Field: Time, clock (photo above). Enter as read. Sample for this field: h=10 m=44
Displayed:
h=12 m=56
